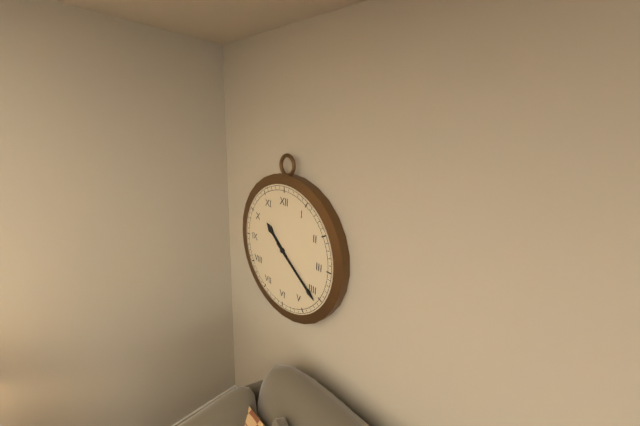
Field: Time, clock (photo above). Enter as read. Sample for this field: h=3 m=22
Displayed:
h=10 m=21
